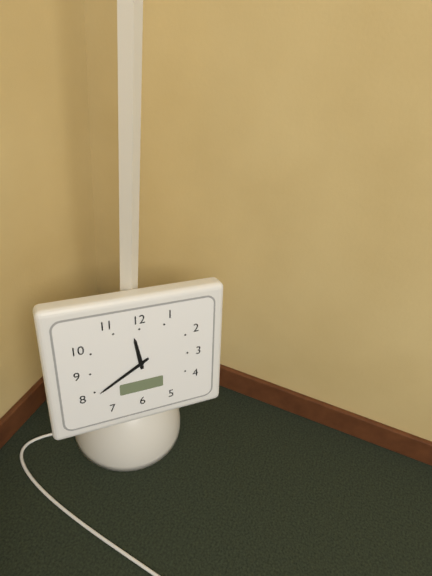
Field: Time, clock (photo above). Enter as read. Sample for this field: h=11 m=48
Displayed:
h=11 m=40
